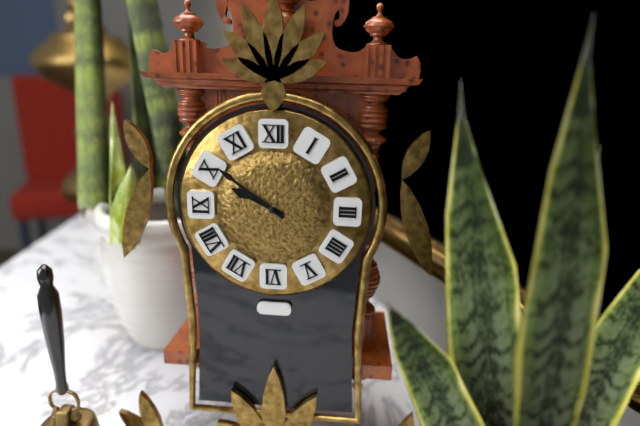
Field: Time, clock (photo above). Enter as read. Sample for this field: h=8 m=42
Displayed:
h=9 m=51
